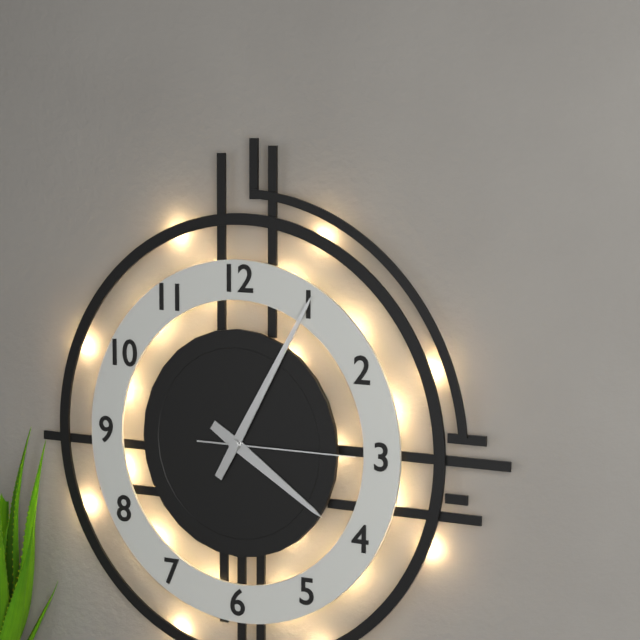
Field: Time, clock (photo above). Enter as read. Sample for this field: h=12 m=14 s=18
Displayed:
h=4 m=5 s=15
